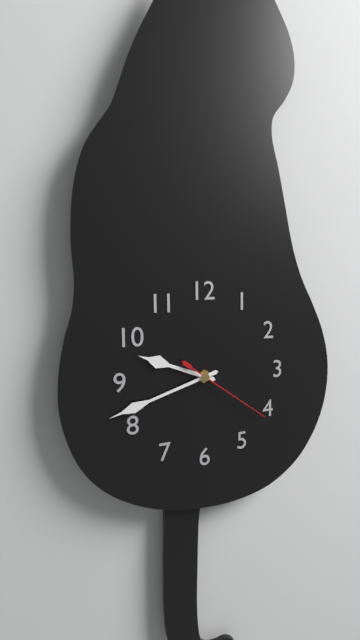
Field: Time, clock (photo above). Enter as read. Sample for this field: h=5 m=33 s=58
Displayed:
h=9 m=42 s=21
